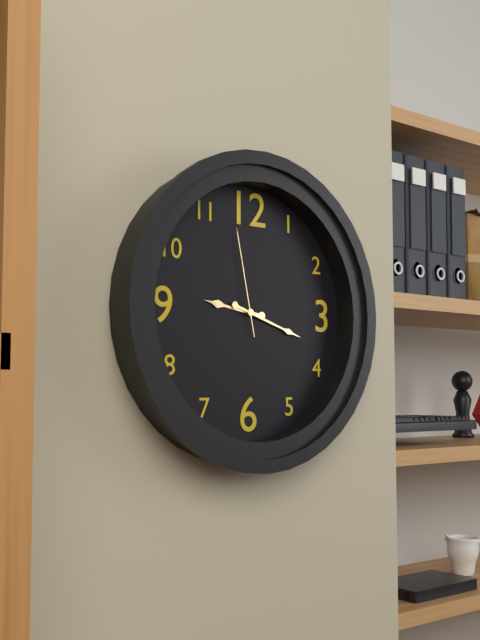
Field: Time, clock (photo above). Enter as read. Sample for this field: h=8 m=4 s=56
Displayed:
h=9 m=18 s=58
